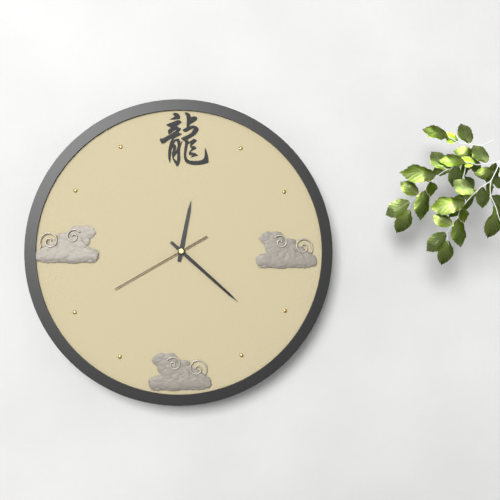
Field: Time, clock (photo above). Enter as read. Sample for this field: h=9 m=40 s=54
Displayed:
h=12 m=22 s=40
